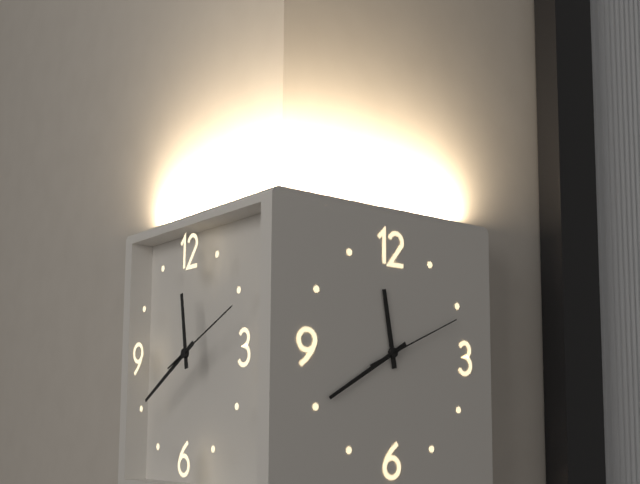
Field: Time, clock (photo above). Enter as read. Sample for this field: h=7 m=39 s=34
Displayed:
h=11 m=40 s=11
